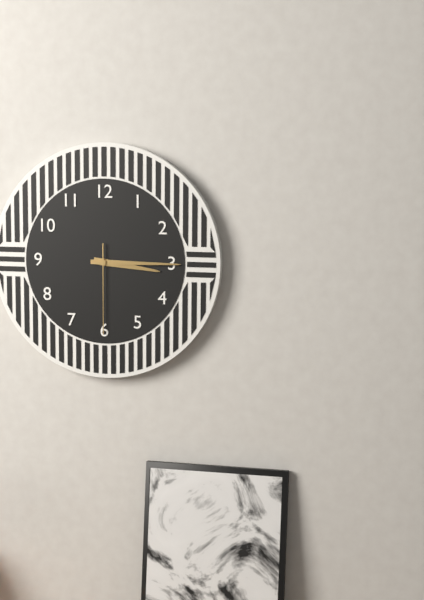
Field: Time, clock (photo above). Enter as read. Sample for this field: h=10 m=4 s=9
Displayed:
h=3 m=15 s=30
